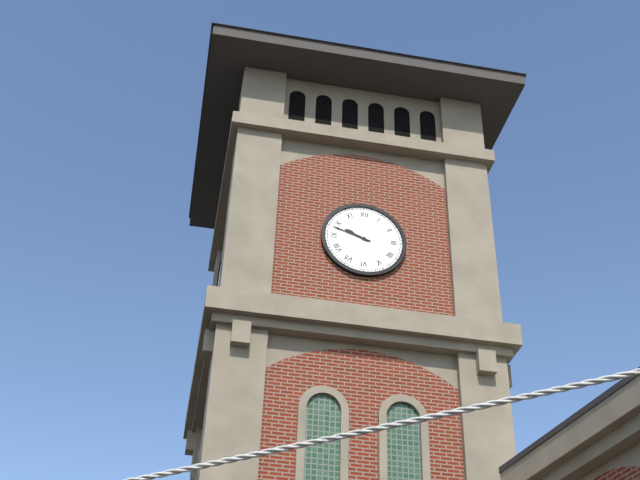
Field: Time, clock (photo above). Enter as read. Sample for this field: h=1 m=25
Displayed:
h=9 m=48
